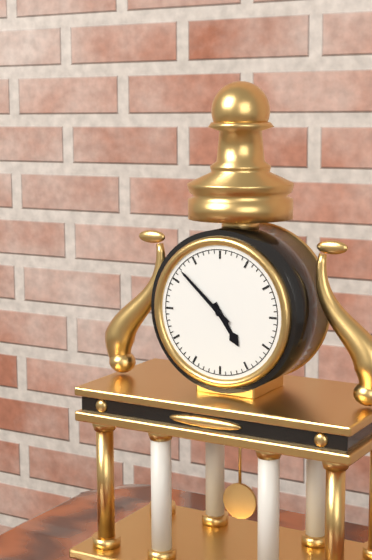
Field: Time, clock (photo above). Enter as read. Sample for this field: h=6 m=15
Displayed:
h=4 m=52
